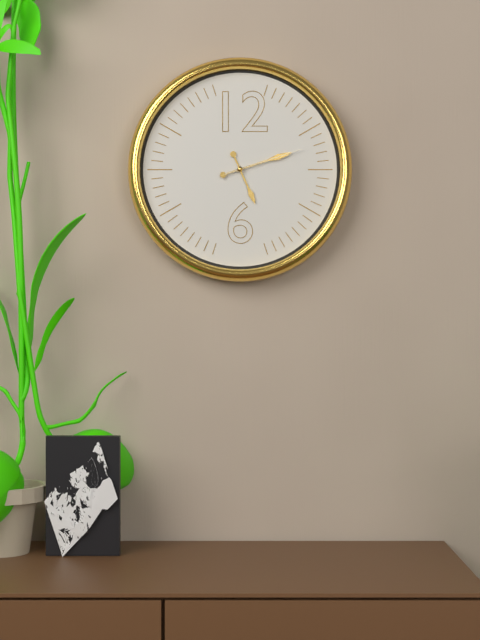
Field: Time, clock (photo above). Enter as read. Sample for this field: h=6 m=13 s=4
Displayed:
h=5 m=12 s=12
